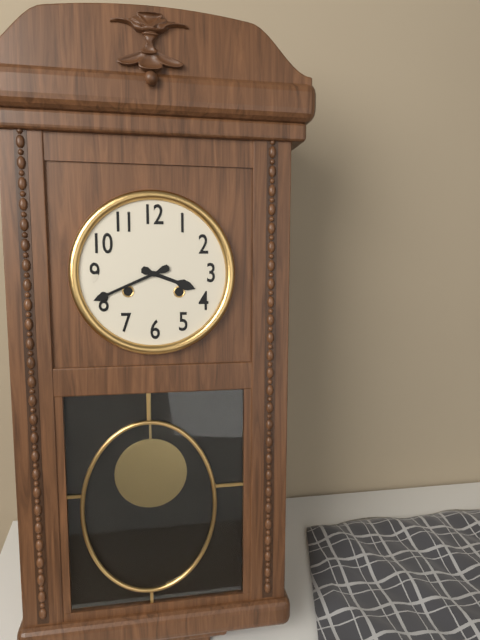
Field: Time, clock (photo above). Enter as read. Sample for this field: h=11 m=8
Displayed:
h=3 m=41
